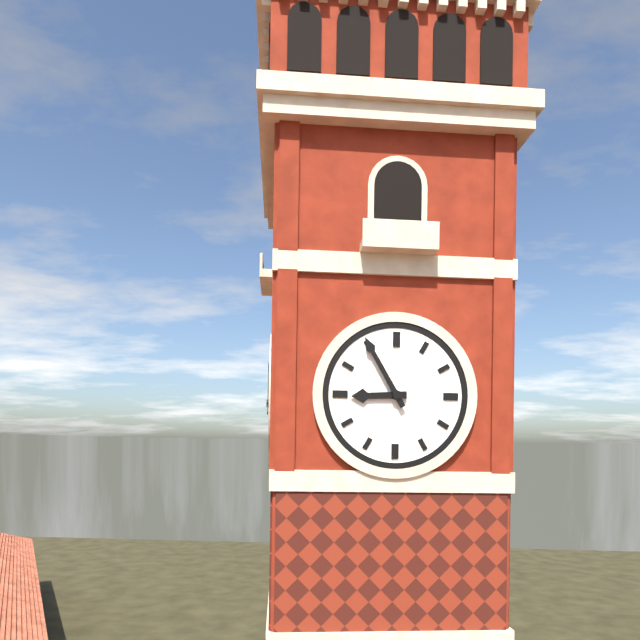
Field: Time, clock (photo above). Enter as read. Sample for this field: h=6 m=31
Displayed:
h=8 m=55
